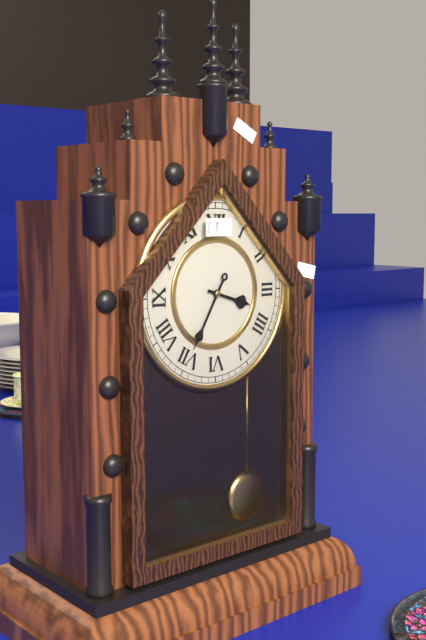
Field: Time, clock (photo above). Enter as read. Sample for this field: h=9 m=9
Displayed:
h=3 m=35
